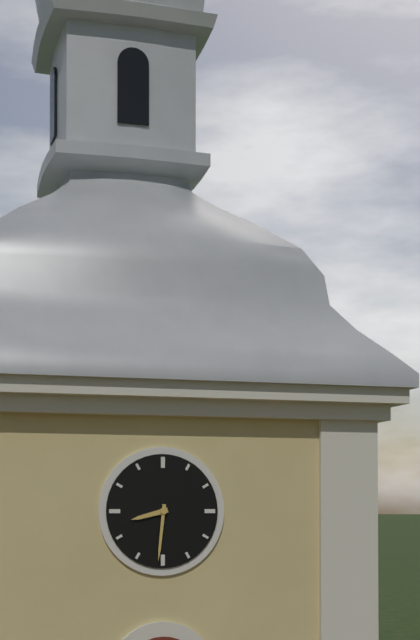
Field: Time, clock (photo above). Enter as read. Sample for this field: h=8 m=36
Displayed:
h=8 m=31
